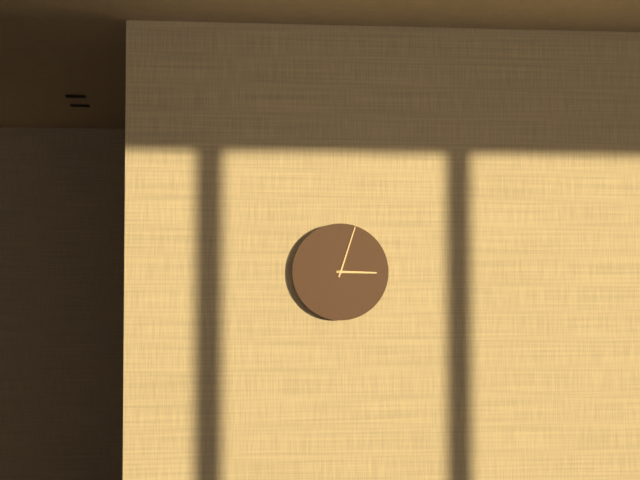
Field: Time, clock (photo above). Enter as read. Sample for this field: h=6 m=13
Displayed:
h=3 m=3
